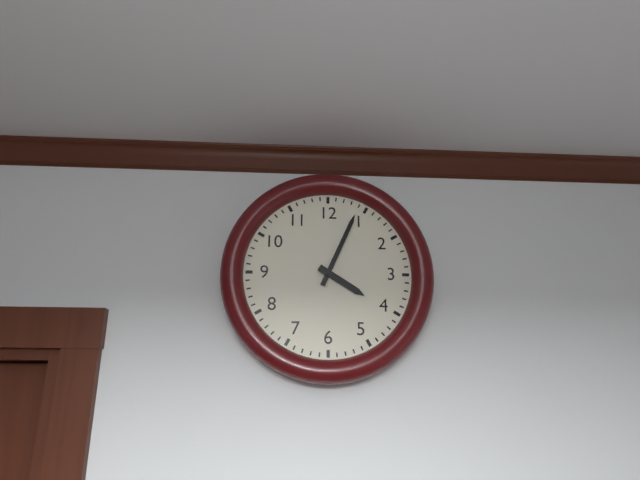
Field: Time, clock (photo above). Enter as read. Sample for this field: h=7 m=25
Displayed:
h=4 m=4
